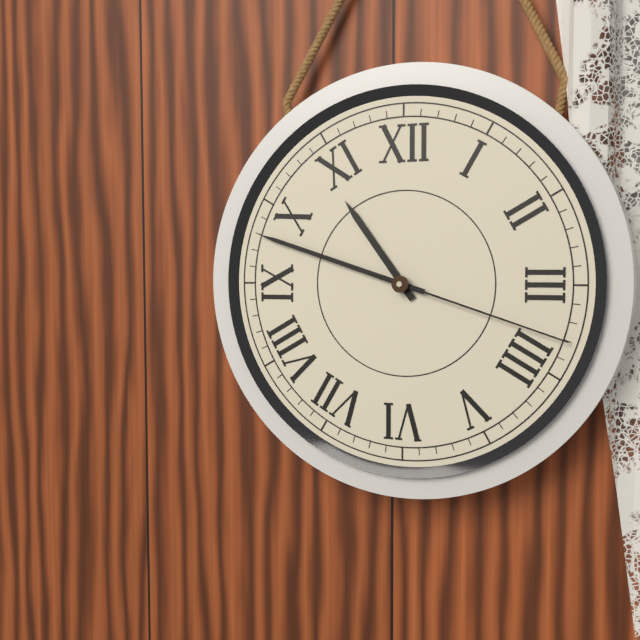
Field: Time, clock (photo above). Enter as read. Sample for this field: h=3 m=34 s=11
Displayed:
h=10 m=48 s=18
